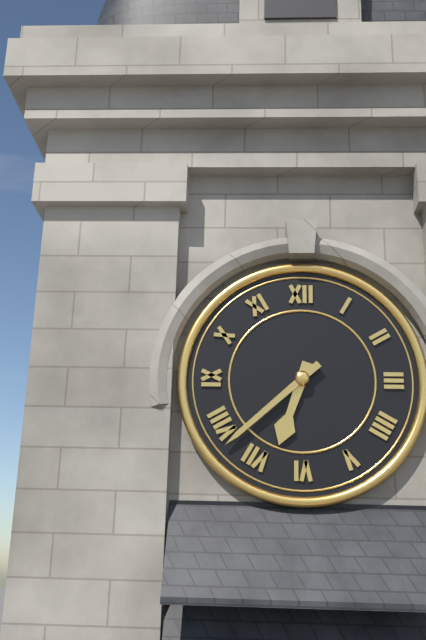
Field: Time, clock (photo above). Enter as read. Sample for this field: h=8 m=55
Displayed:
h=6 m=38
